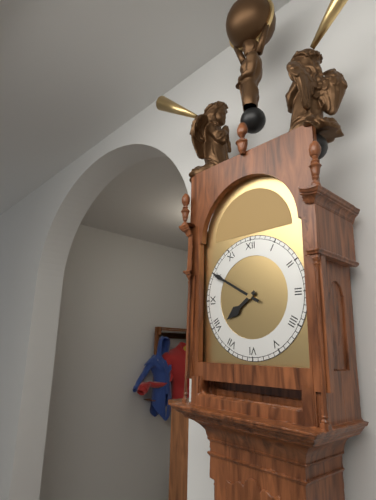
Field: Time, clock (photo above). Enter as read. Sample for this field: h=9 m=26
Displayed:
h=7 m=50
